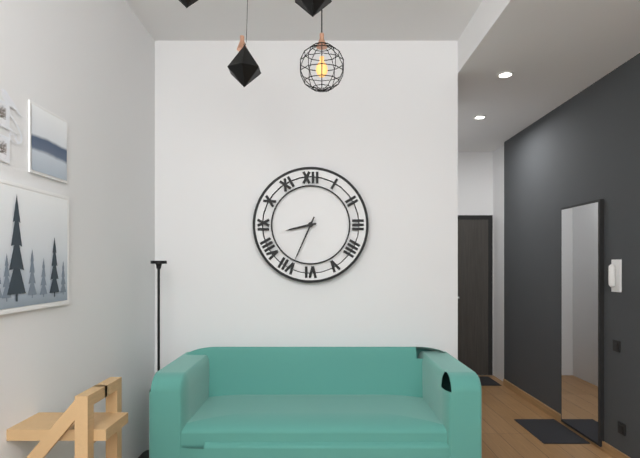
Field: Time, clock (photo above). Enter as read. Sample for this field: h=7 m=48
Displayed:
h=8 m=34
